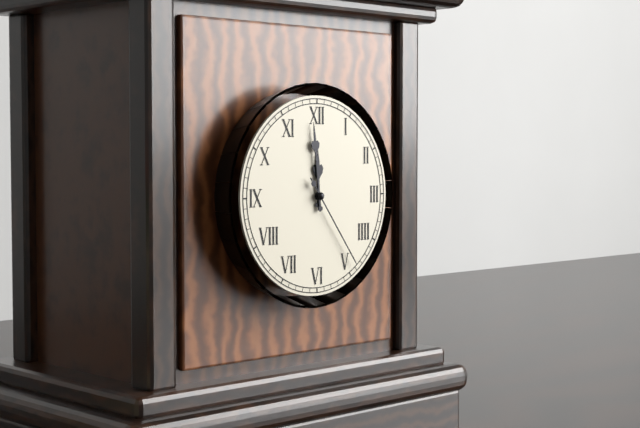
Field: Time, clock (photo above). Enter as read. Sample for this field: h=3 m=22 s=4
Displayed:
h=11 m=59 s=24
